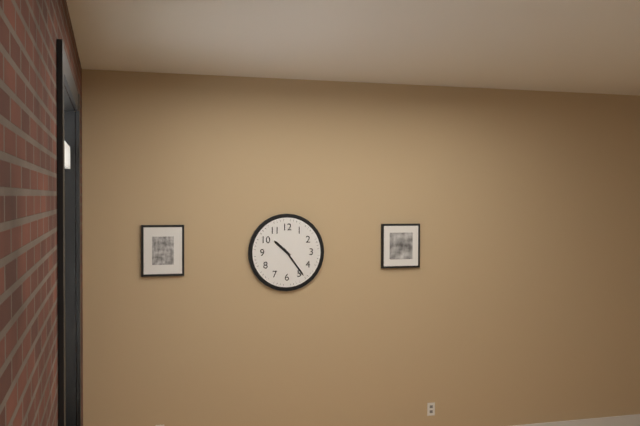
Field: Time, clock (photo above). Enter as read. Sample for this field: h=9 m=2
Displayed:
h=10 m=24
